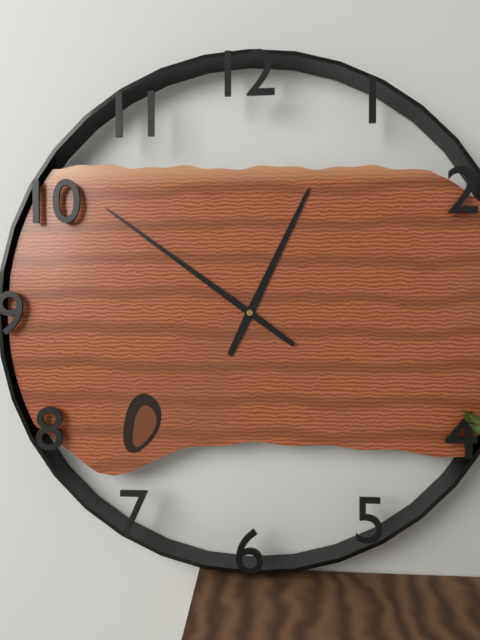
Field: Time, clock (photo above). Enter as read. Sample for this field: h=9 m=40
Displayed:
h=12 m=51
